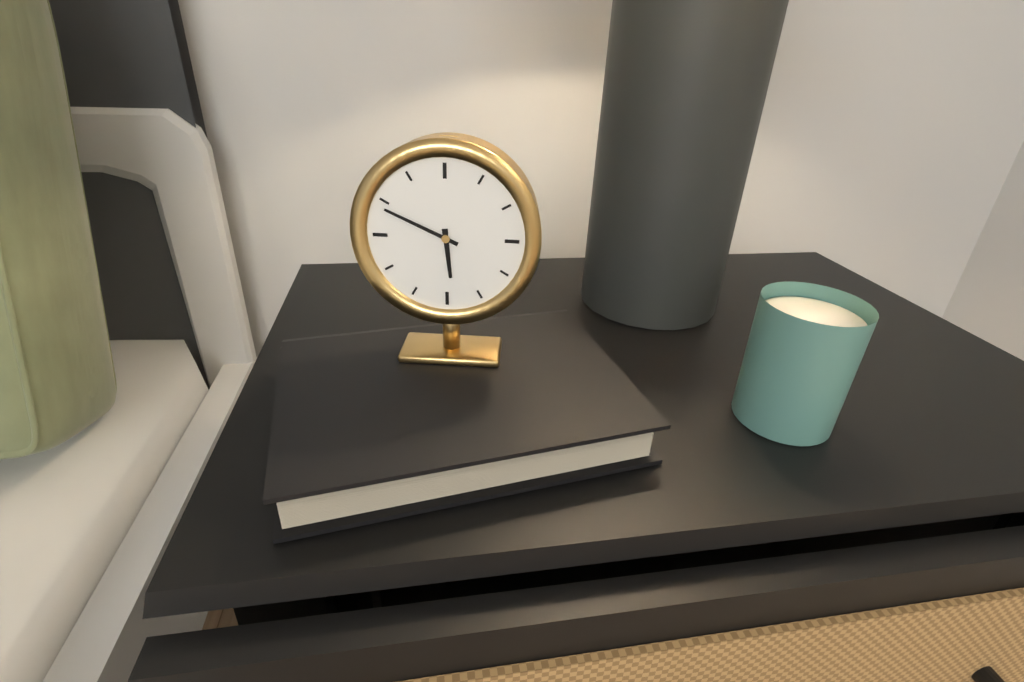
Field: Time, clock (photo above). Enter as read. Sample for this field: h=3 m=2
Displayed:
h=5 m=49
